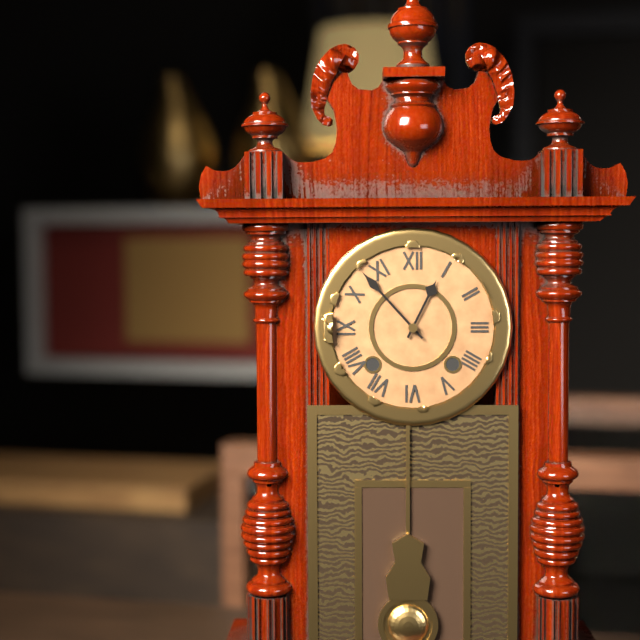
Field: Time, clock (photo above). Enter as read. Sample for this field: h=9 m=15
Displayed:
h=12 m=53
